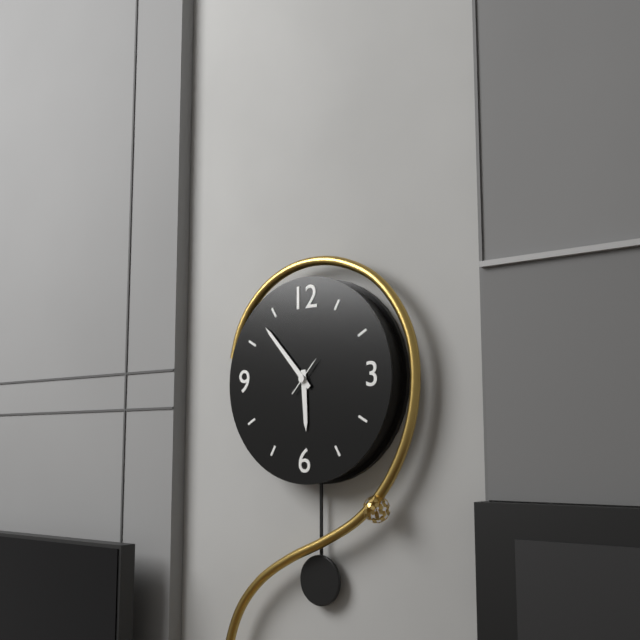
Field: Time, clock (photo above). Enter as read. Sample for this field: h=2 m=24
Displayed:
h=5 m=53
